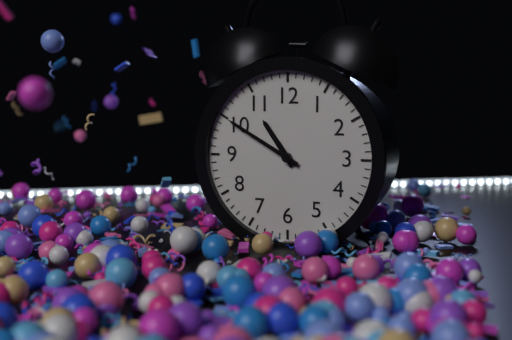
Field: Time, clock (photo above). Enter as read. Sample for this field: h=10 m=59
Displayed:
h=10 m=50
